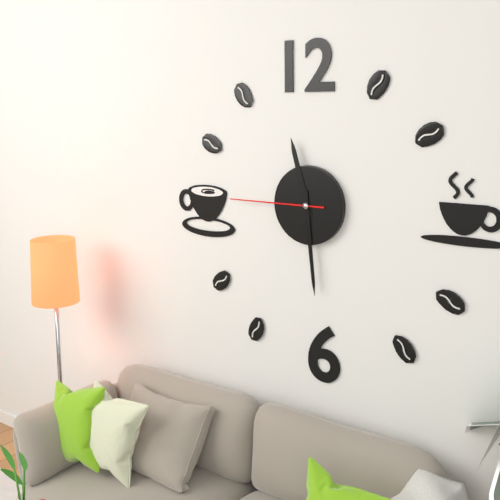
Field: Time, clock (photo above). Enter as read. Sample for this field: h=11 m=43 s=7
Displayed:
h=11 m=29 s=45
